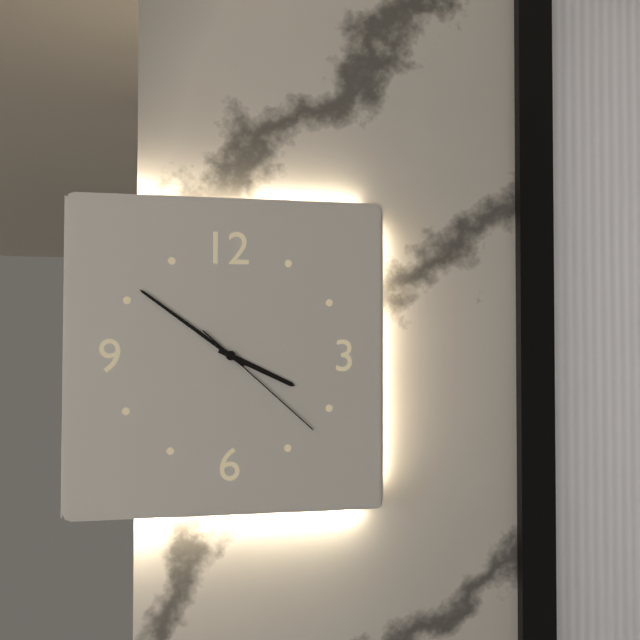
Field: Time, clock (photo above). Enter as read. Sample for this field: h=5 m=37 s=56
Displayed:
h=3 m=51 s=22
